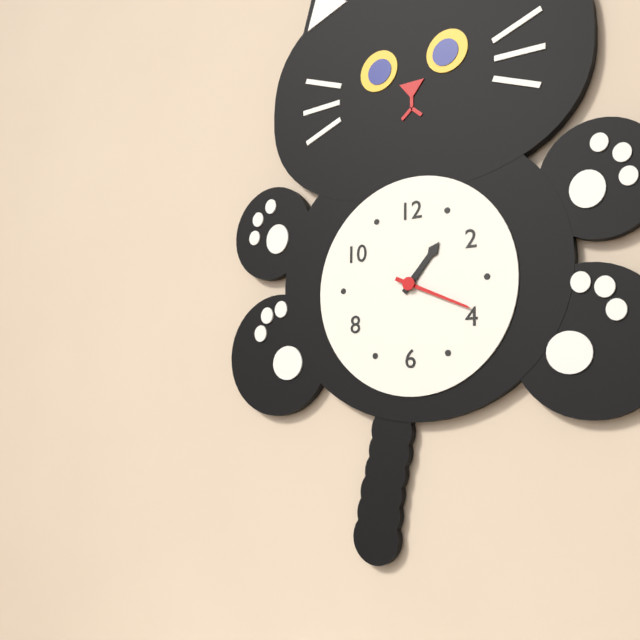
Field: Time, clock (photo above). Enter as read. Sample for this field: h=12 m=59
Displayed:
h=1 m=19
